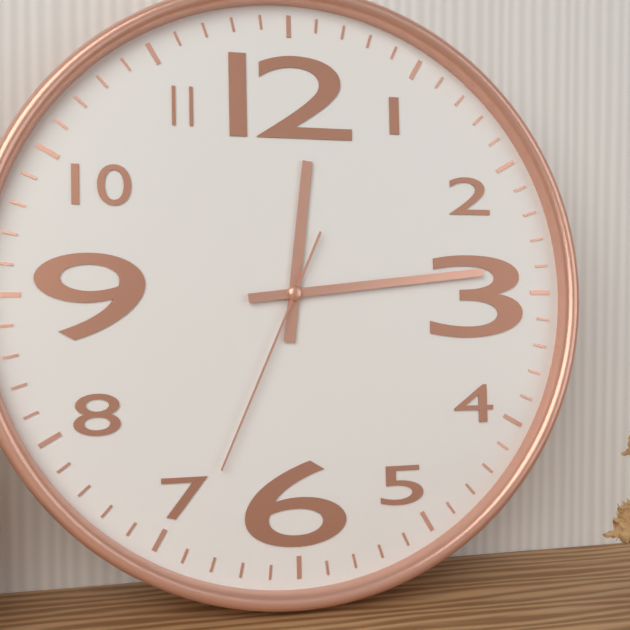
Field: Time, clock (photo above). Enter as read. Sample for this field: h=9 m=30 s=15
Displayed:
h=12 m=14 s=34
